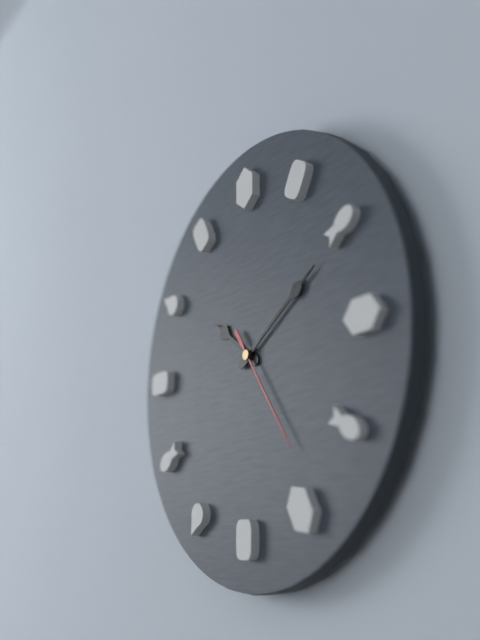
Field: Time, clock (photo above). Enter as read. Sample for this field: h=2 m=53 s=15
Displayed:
h=10 m=10 s=24
